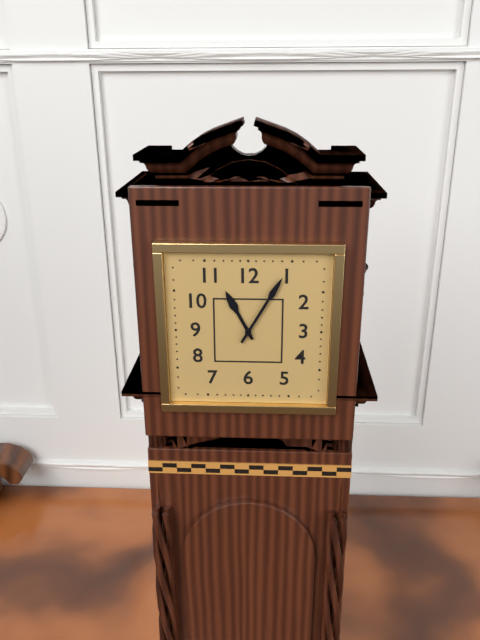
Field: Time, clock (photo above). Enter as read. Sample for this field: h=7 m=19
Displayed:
h=11 m=5
